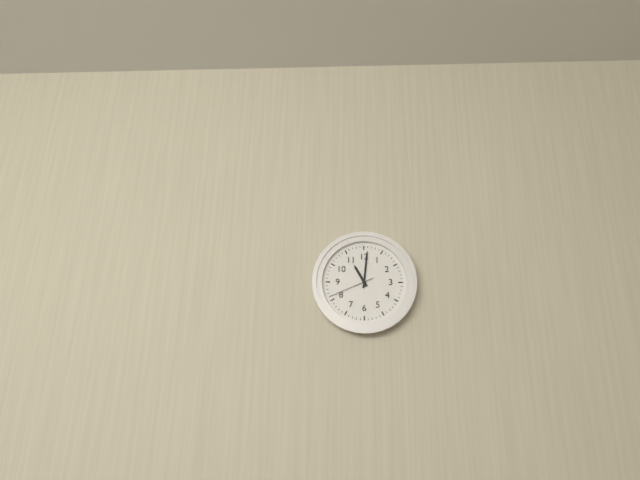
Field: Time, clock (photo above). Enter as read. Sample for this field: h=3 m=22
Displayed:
h=11 m=1
